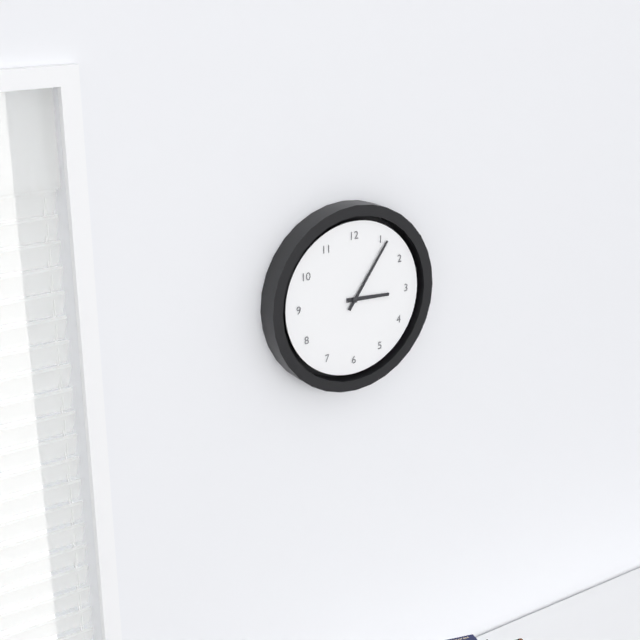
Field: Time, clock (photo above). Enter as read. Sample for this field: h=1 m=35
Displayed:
h=3 m=6
